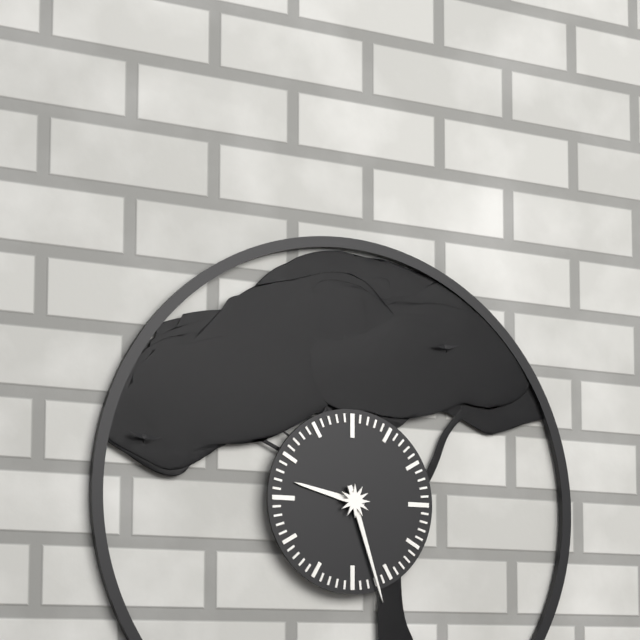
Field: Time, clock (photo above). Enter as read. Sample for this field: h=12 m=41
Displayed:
h=9 m=27
